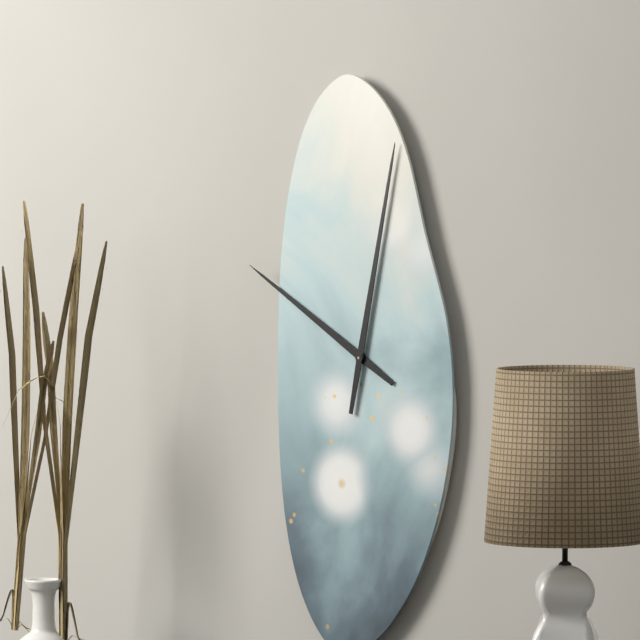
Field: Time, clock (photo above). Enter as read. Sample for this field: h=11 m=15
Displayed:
h=10 m=2
